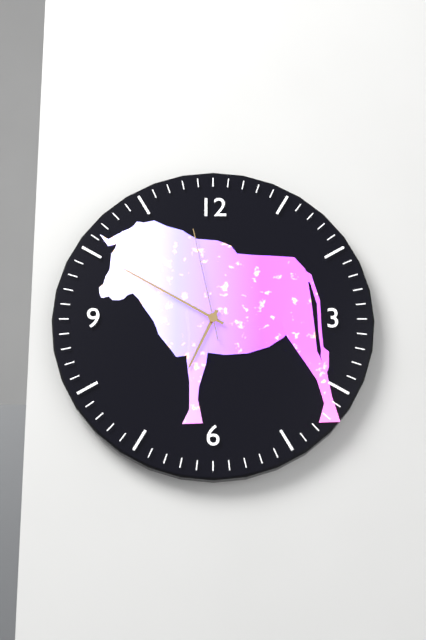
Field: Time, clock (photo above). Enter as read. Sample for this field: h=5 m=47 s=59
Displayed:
h=6 m=50 s=58
